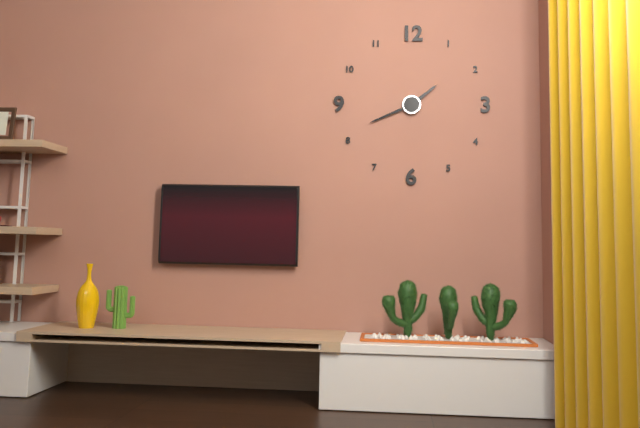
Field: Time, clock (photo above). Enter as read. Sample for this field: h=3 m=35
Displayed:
h=1 m=41
